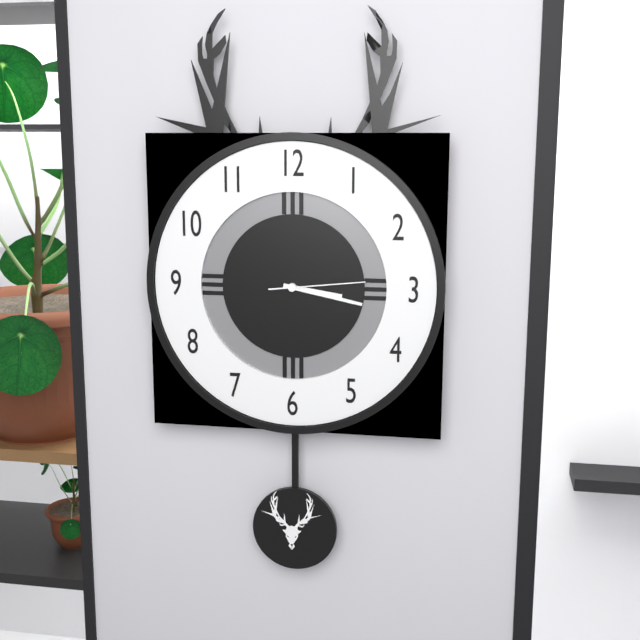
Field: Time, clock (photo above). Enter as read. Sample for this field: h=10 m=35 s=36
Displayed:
h=3 m=17 s=14
